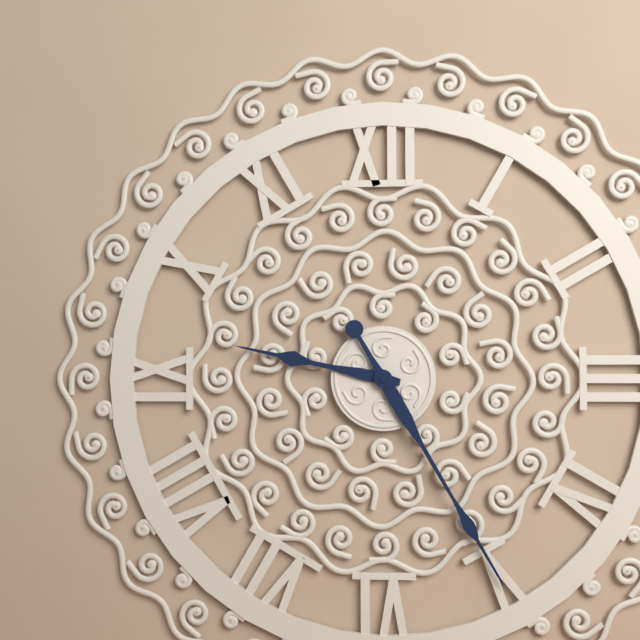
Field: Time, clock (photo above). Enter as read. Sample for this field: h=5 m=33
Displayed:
h=9 m=25
